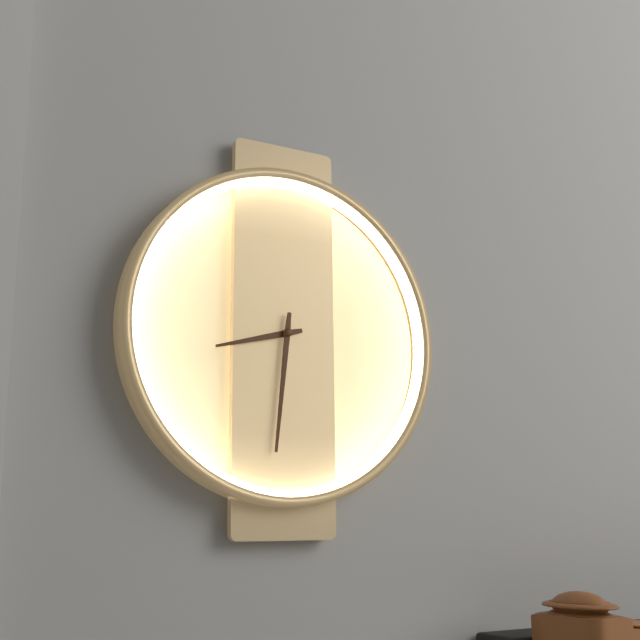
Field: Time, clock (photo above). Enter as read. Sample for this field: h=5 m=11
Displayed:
h=8 m=31
